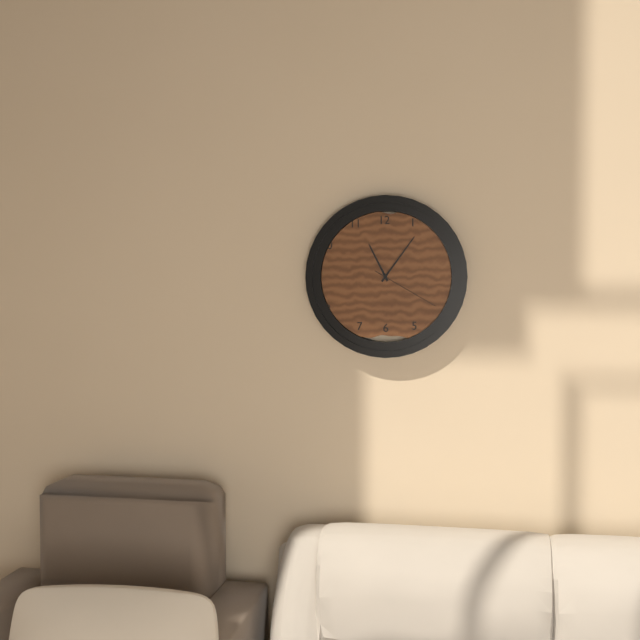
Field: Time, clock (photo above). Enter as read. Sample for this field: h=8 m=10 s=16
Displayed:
h=11 m=6 s=20
